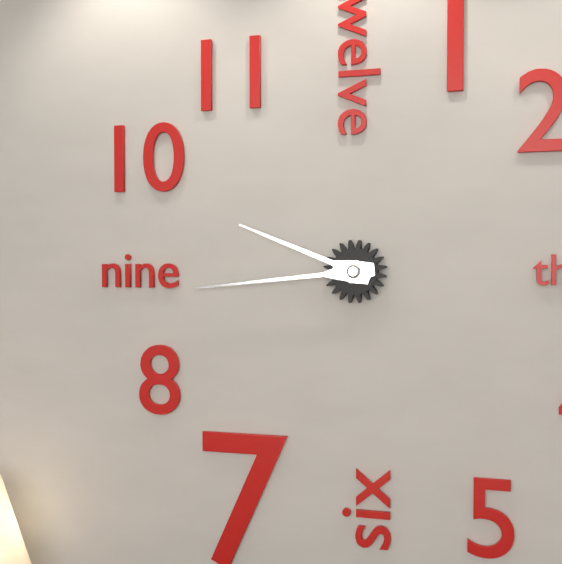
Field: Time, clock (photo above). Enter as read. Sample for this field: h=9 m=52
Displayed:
h=9 m=44
